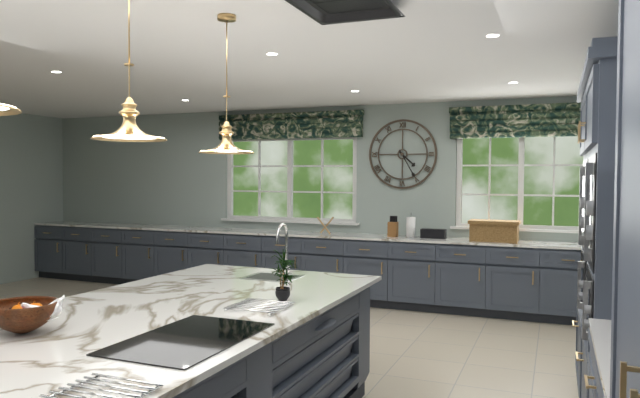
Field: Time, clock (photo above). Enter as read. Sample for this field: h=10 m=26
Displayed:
h=4 m=25
